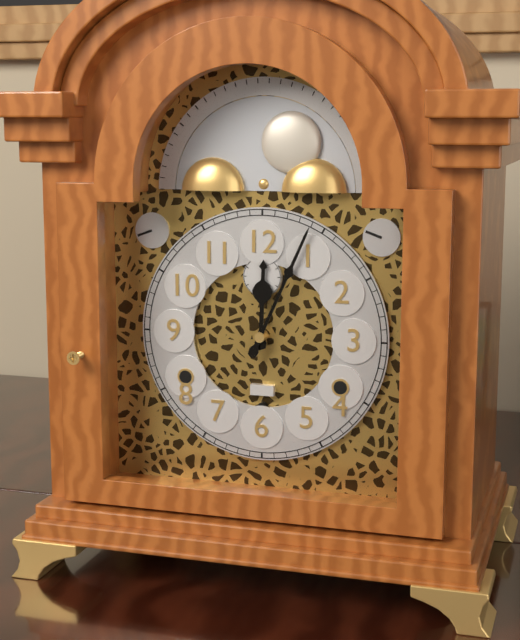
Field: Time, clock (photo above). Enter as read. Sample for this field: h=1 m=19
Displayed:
h=12 m=4
